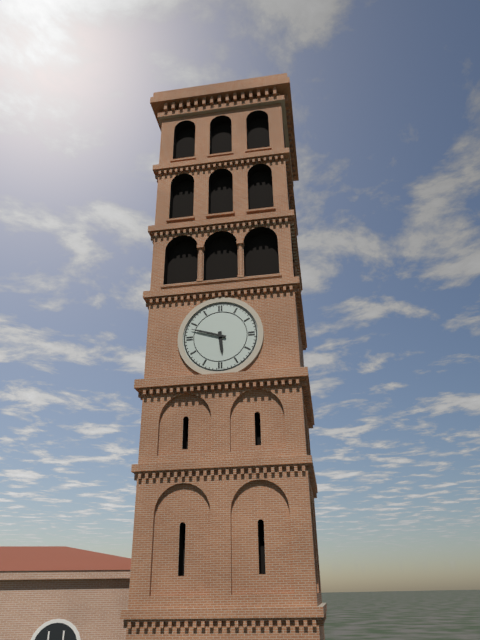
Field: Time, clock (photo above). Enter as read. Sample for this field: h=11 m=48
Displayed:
h=5 m=48
